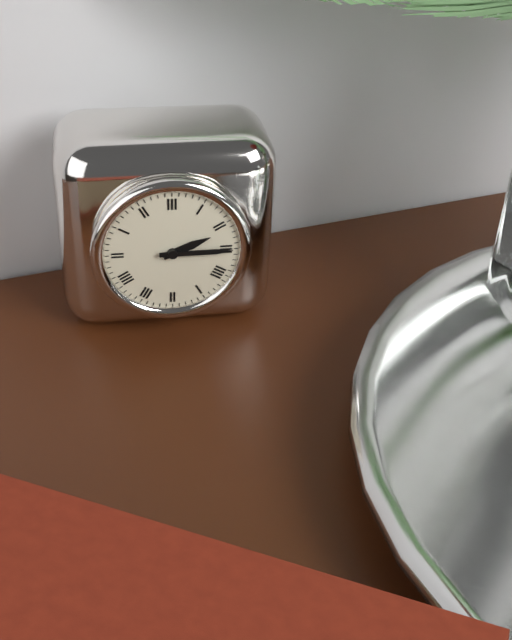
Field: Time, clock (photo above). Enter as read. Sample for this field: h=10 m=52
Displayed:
h=2 m=15
